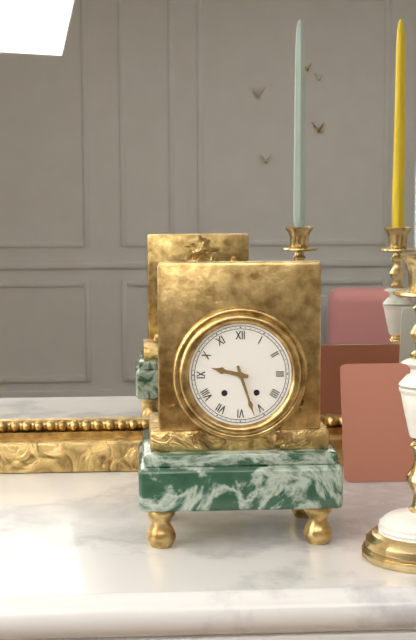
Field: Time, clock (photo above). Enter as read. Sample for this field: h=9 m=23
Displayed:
h=9 m=27
